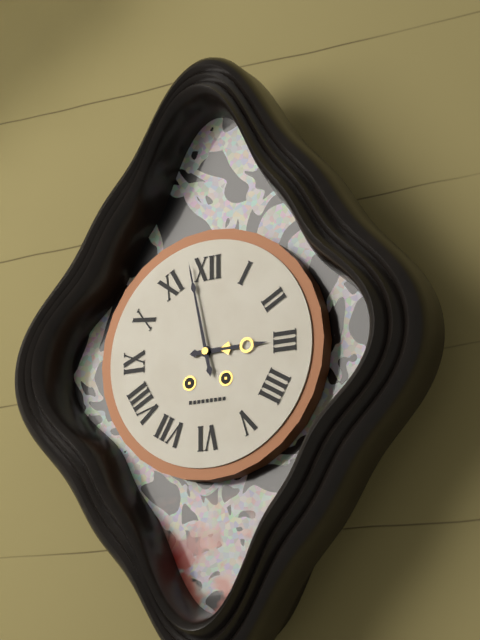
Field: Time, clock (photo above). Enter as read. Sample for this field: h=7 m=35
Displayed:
h=2 m=58
